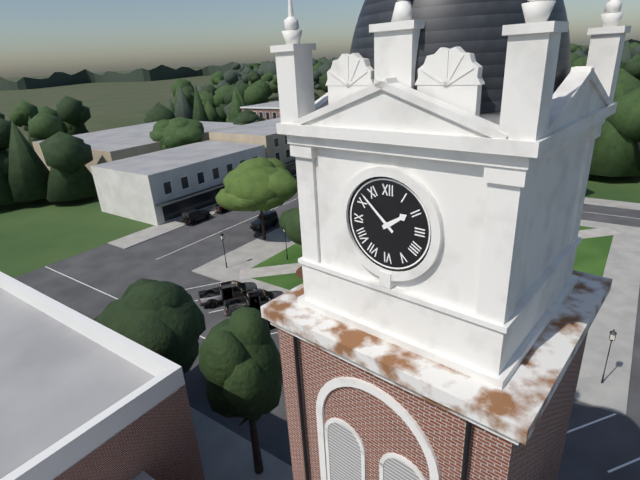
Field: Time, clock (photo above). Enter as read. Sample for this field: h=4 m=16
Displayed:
h=1 m=52
